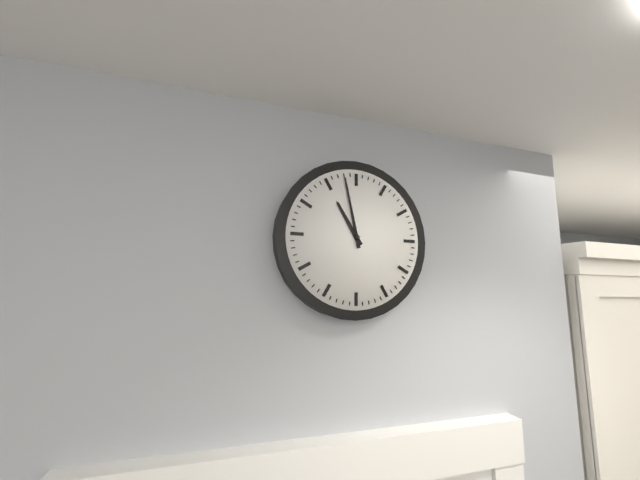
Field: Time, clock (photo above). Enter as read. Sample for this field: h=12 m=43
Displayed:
h=10 m=58
